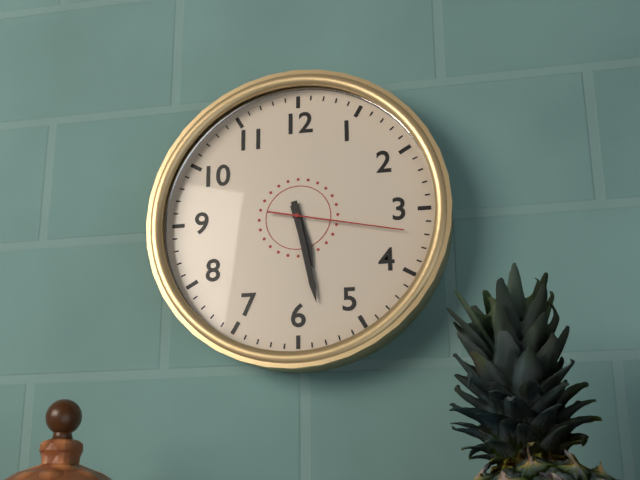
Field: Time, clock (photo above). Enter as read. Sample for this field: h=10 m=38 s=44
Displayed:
h=5 m=28 s=17
